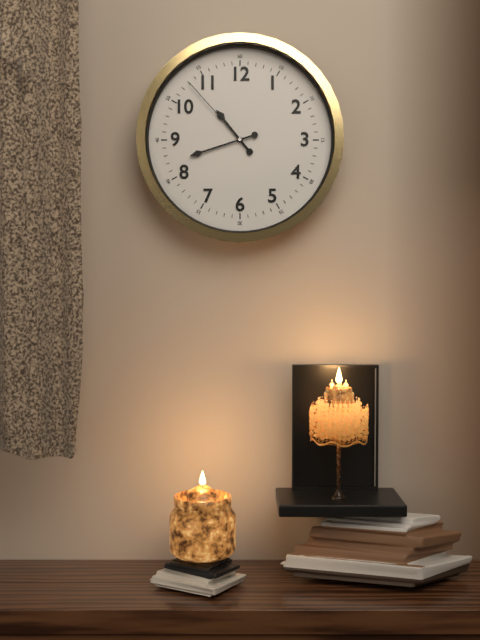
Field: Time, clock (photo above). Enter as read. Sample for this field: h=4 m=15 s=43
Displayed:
h=10 m=42 s=53
